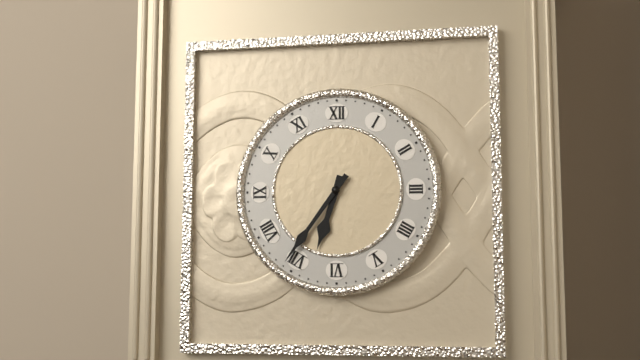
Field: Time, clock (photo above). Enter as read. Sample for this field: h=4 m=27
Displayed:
h=6 m=36
